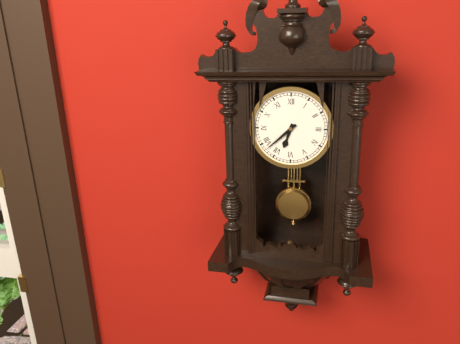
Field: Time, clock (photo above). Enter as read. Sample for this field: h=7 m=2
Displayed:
h=6 m=38
